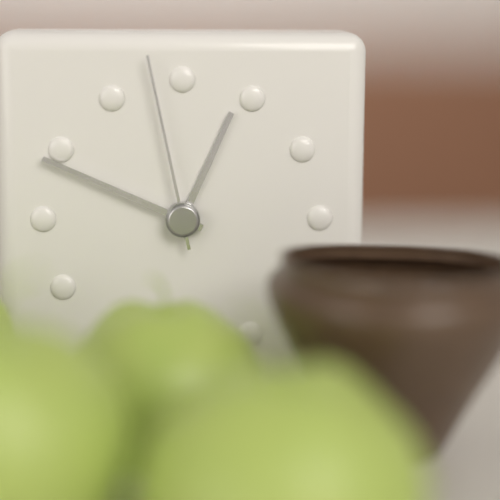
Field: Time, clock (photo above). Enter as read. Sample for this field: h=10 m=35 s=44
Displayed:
h=12 m=49 s=58
